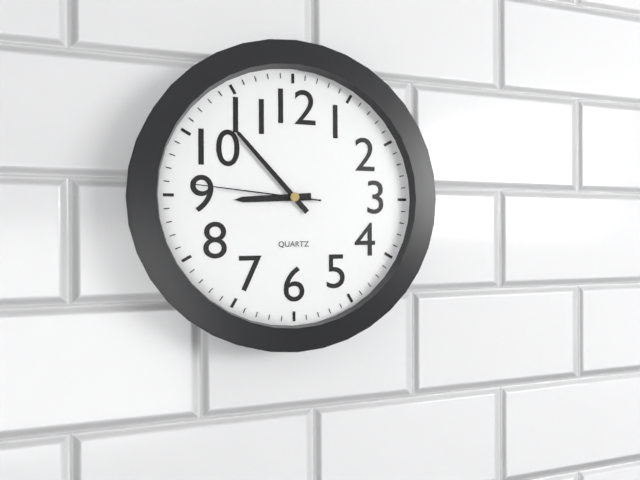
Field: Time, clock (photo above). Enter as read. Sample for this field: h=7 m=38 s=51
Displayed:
h=8 m=53 s=46
